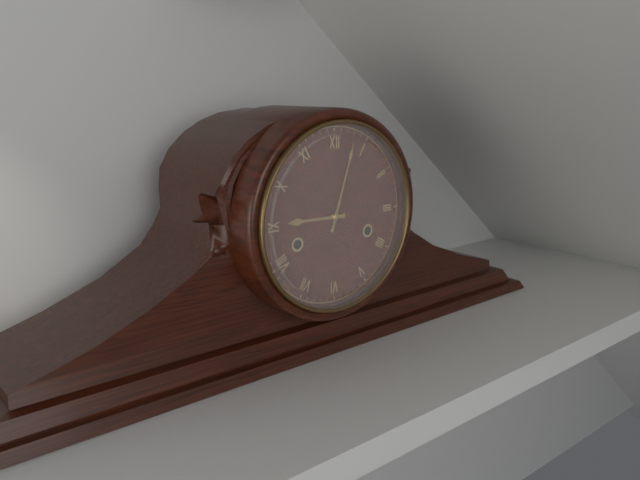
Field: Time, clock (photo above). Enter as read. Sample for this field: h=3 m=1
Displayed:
h=9 m=3
